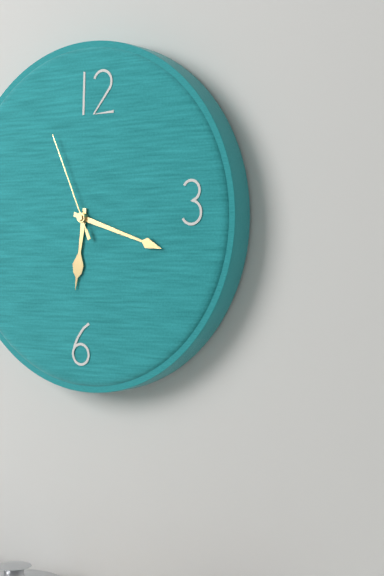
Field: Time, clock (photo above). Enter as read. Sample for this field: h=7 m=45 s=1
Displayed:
h=6 m=18 s=56
